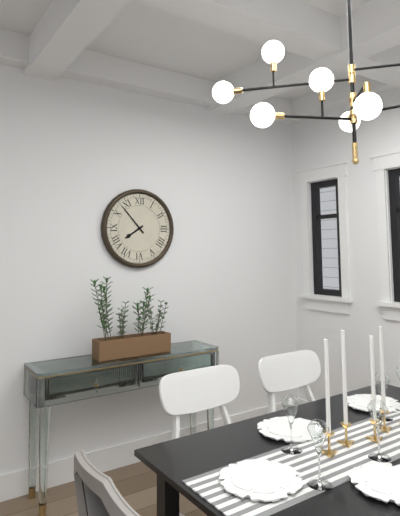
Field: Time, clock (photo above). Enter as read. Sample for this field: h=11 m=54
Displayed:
h=7 m=53
